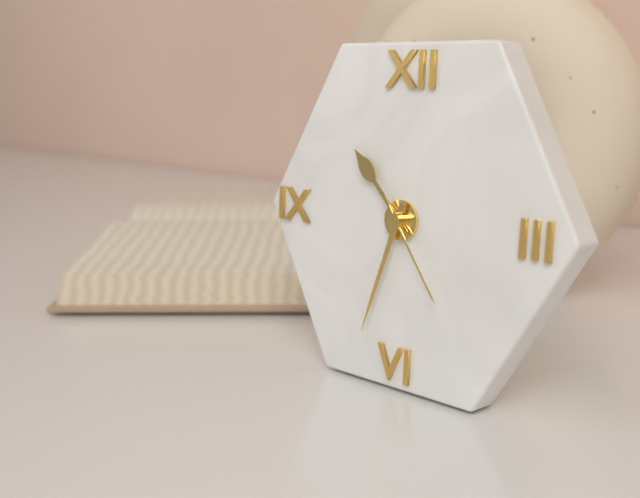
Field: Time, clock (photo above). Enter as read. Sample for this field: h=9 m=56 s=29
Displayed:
h=10 m=33 s=24
